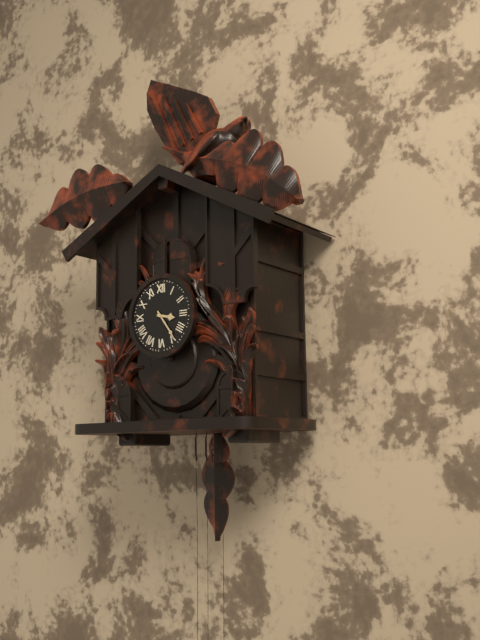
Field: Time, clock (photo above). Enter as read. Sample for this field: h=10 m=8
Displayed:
h=3 m=24
